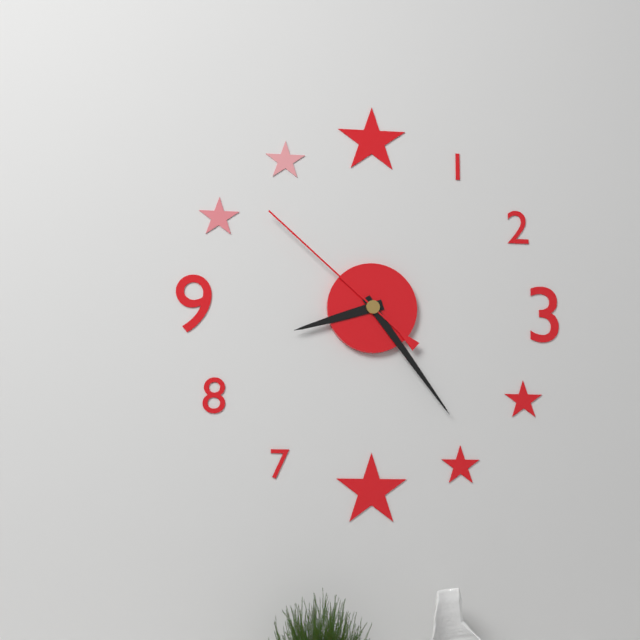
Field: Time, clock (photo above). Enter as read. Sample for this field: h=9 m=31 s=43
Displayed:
h=8 m=24 s=52
